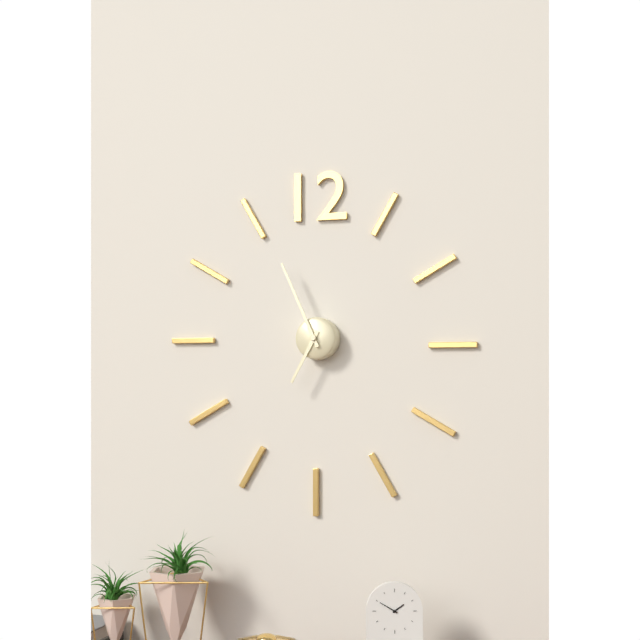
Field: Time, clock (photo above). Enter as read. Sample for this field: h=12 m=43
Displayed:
h=6 m=56
